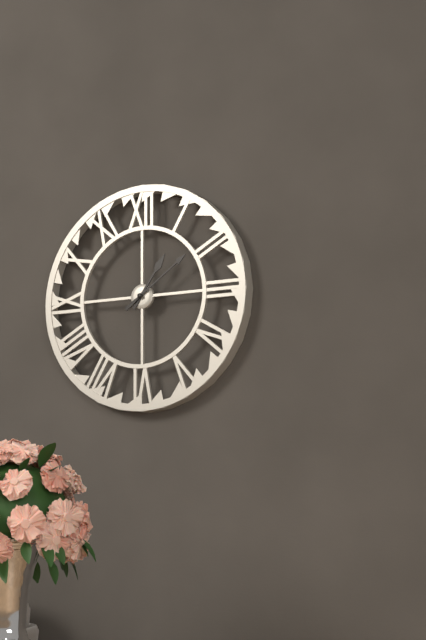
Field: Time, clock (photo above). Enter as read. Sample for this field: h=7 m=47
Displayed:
h=1 m=9
